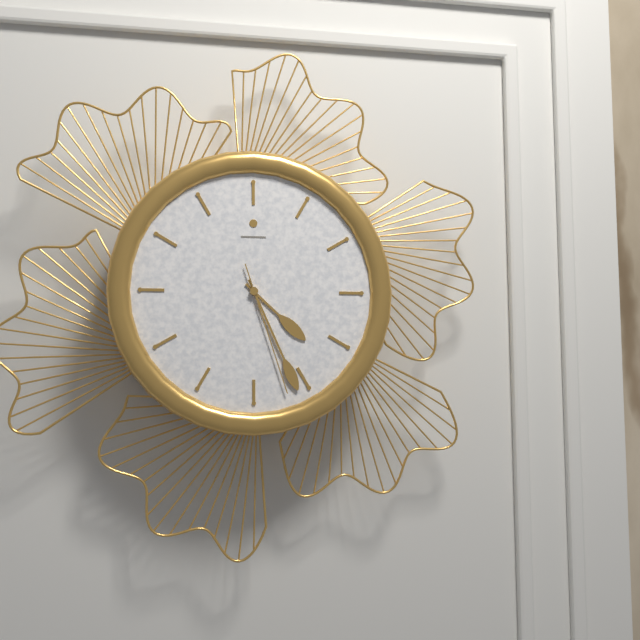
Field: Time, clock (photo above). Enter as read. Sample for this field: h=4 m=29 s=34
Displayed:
h=4 m=26 s=27
